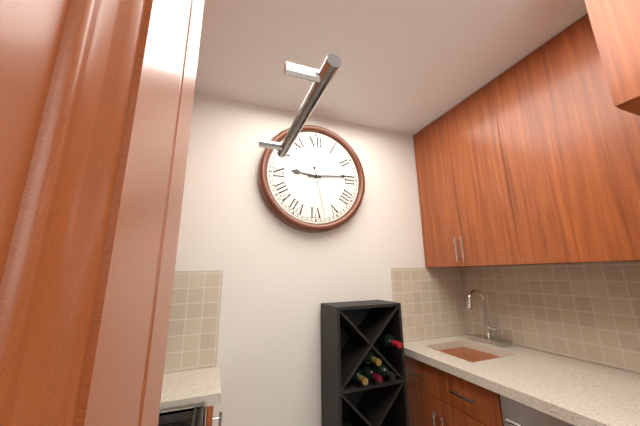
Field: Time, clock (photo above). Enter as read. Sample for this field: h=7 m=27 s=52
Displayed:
h=9 m=14 s=28
